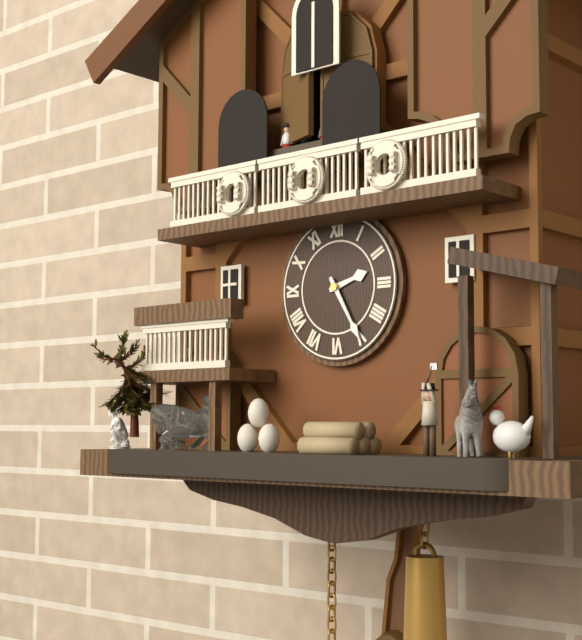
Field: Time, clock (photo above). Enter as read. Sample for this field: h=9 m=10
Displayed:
h=2 m=25
